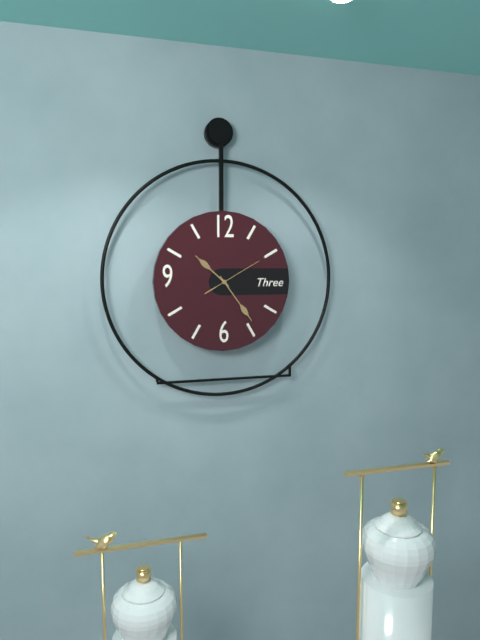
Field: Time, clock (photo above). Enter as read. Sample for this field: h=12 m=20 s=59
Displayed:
h=10 m=24 s=10
